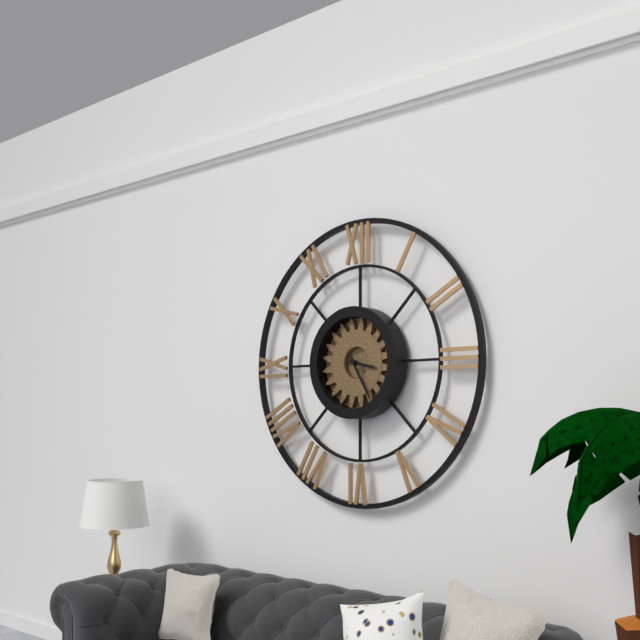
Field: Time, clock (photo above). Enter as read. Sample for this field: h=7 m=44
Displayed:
h=3 m=25
